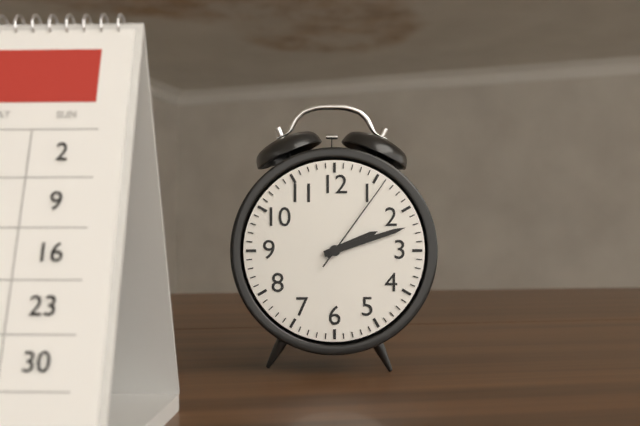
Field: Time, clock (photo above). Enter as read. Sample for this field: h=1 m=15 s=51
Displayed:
h=2 m=12 s=6
